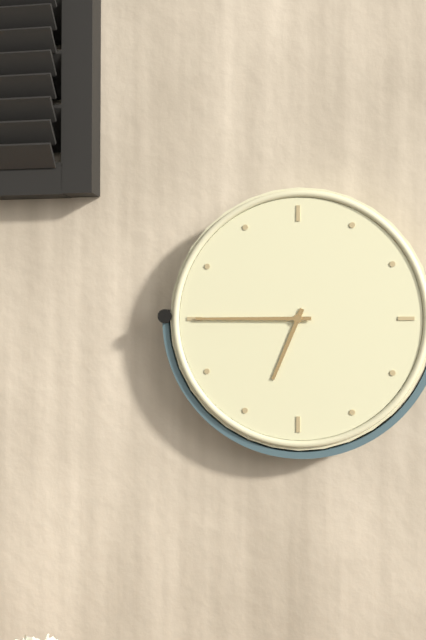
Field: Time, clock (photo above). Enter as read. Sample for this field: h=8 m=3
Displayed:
h=6 m=45
